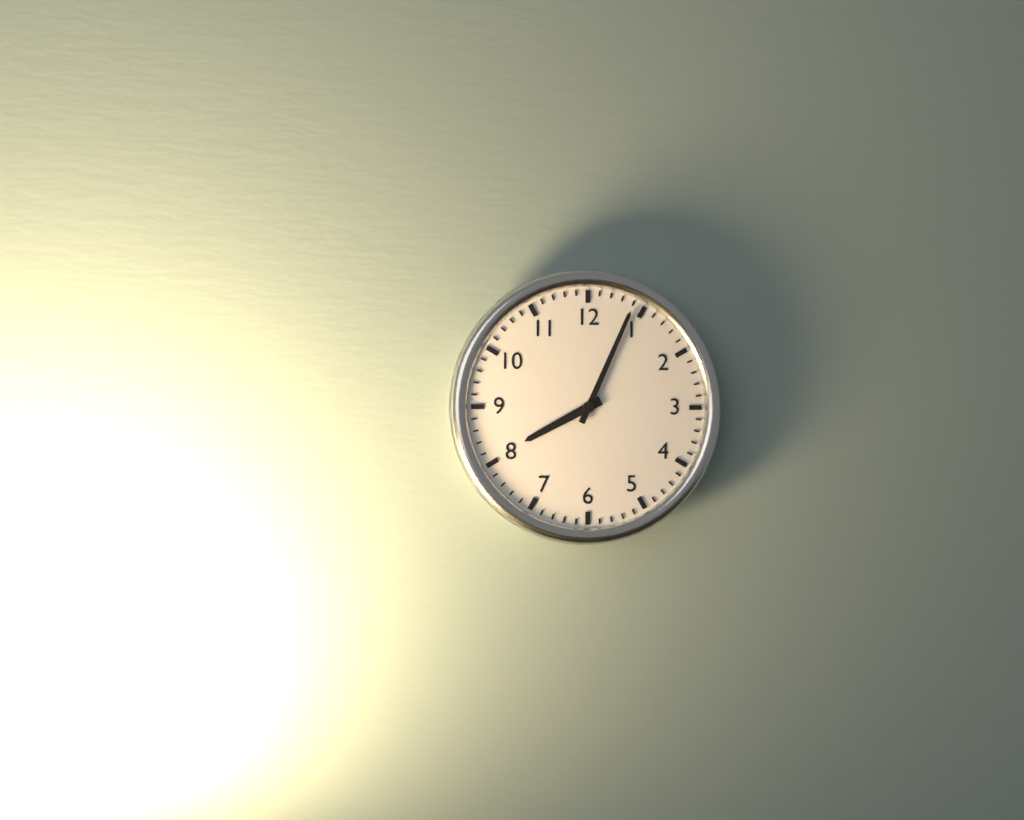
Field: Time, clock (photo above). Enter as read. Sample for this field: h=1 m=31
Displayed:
h=8 m=4
